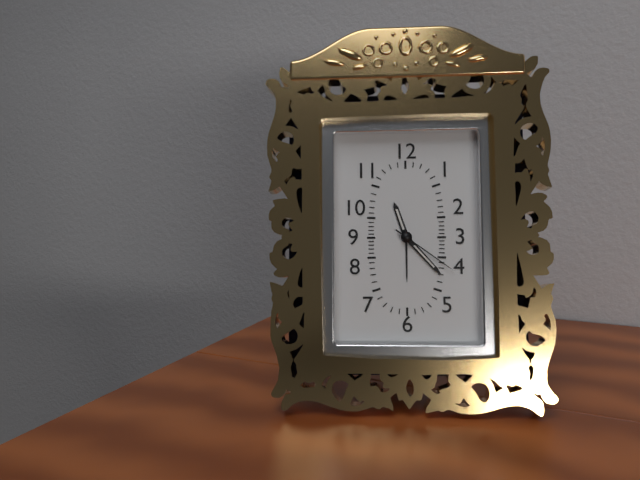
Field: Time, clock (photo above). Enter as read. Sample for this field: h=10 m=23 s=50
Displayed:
h=11 m=23 s=21
